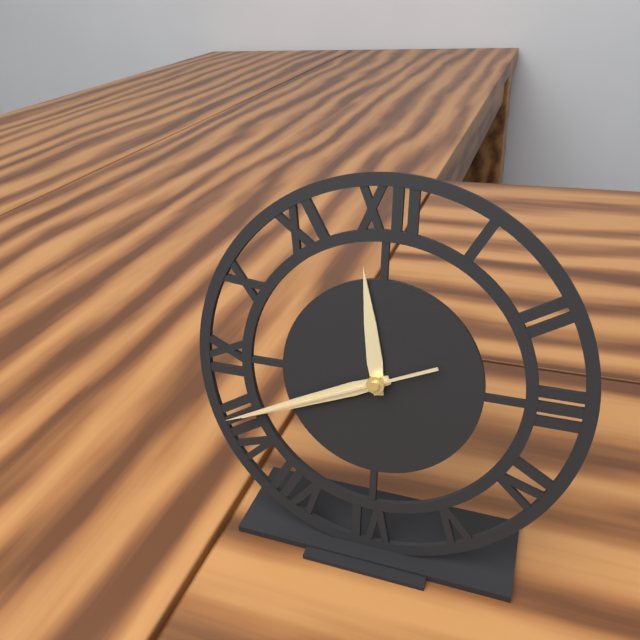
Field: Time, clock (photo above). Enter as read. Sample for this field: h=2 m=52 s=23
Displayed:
h=11 m=41 s=41
